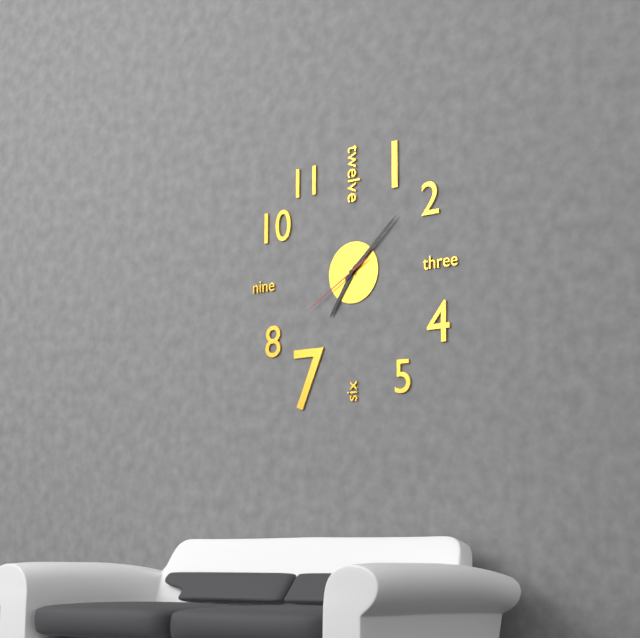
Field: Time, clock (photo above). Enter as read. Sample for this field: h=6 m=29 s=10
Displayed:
h=7 m=8 s=40
